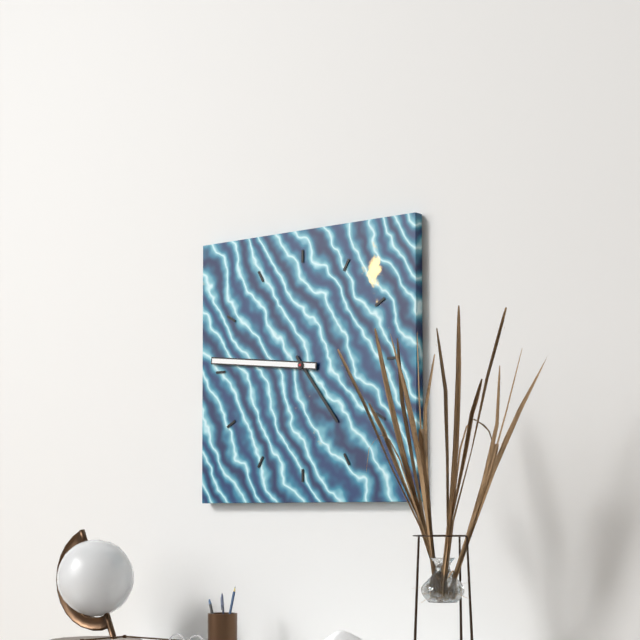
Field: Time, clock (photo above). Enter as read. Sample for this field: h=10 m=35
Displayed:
h=4 m=46
